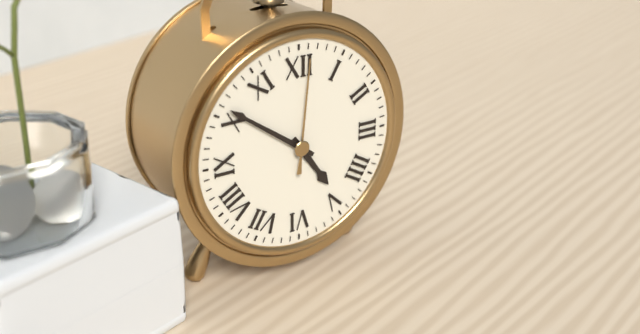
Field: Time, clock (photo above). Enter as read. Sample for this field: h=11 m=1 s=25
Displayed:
h=4 m=51 s=1
